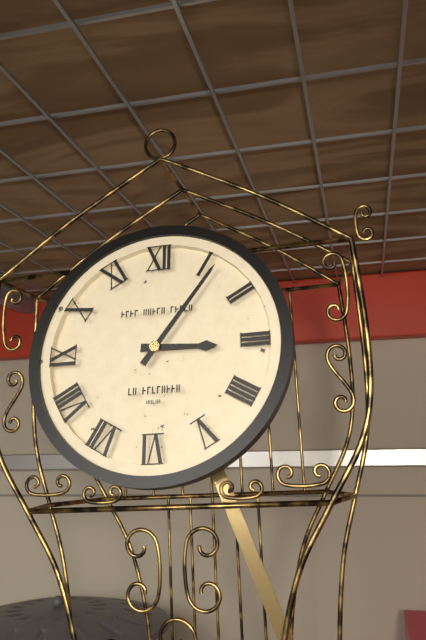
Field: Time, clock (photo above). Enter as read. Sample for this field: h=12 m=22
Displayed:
h=3 m=6
